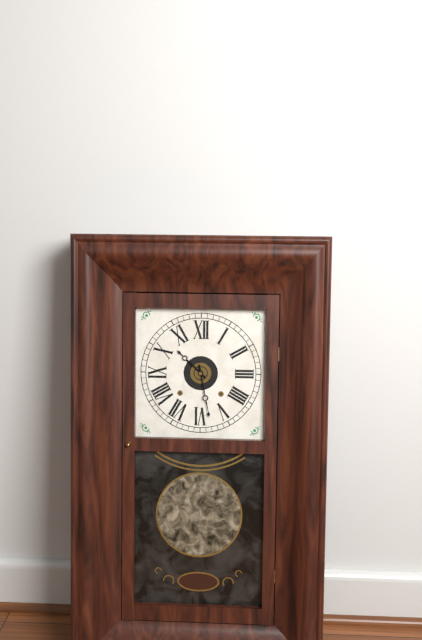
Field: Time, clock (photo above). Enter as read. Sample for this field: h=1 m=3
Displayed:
h=10 m=28
